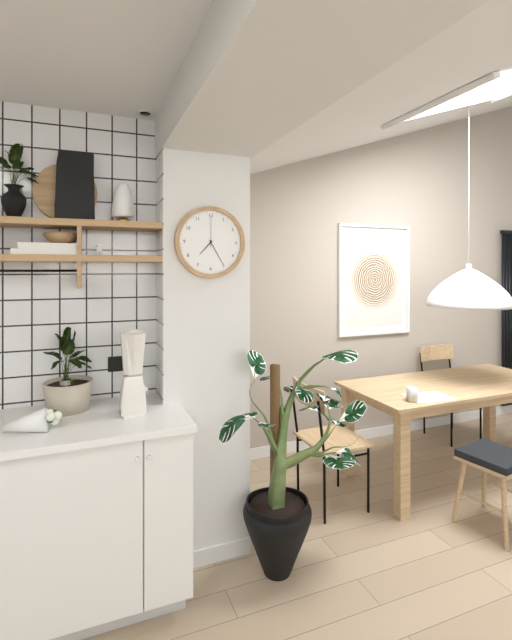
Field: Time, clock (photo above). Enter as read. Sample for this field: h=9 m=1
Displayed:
h=7 m=25
